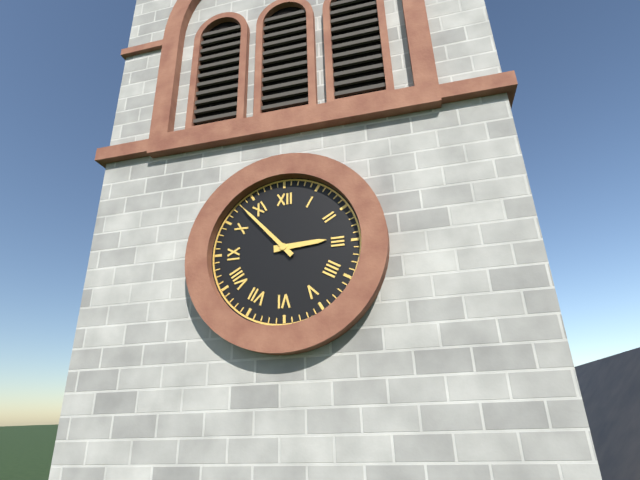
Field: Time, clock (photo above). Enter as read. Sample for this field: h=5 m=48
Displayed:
h=2 m=53
